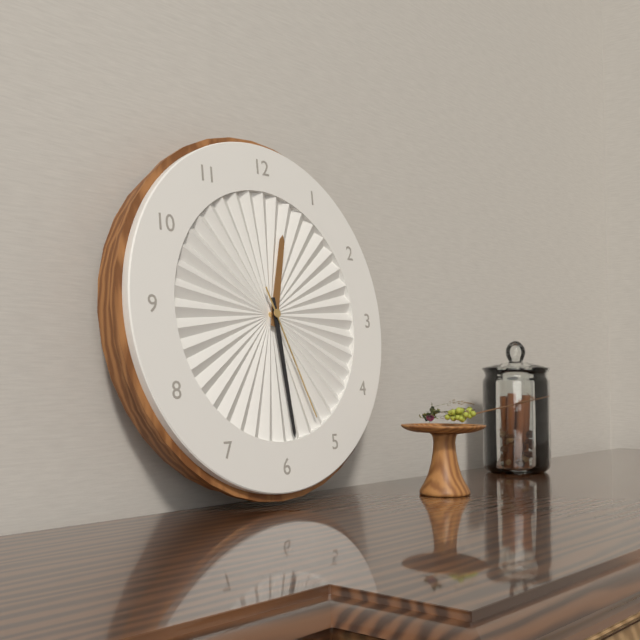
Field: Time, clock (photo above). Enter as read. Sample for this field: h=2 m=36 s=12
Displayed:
h=12 m=29 s=26
